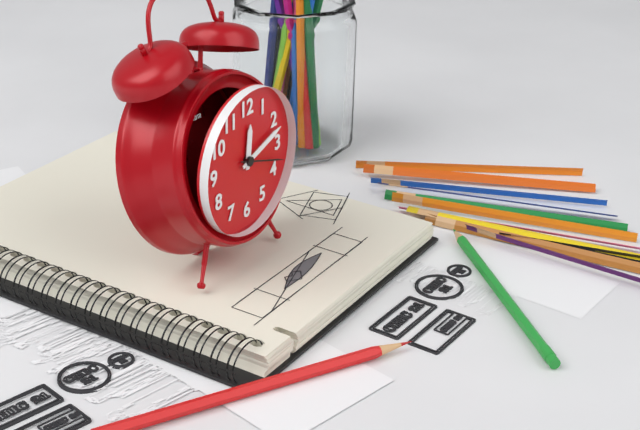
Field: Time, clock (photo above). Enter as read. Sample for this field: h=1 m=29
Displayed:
h=12 m=12
